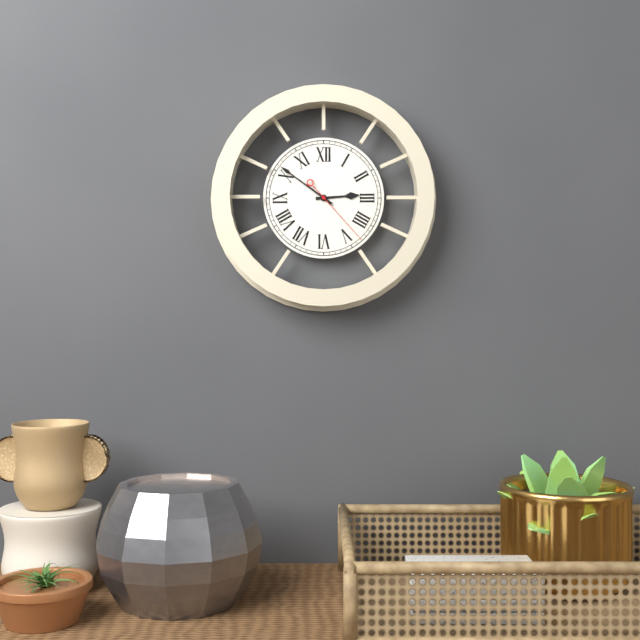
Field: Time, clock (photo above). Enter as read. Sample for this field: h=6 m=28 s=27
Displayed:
h=2 m=51 s=23
